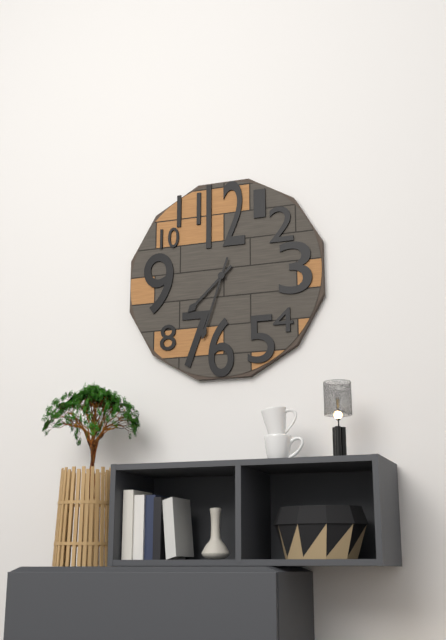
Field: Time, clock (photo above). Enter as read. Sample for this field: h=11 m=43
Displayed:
h=7 m=33
